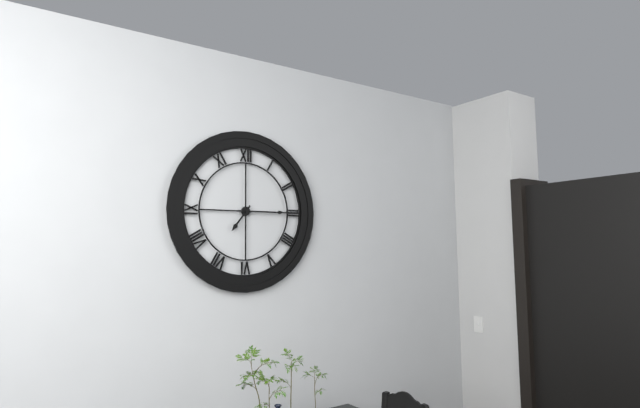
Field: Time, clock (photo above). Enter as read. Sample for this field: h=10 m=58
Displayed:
h=7 m=15
